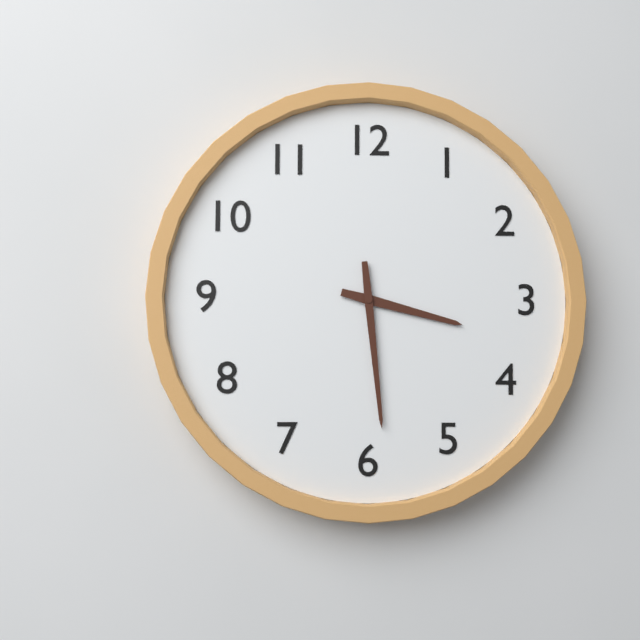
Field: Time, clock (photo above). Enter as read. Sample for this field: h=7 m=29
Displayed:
h=3 m=29
